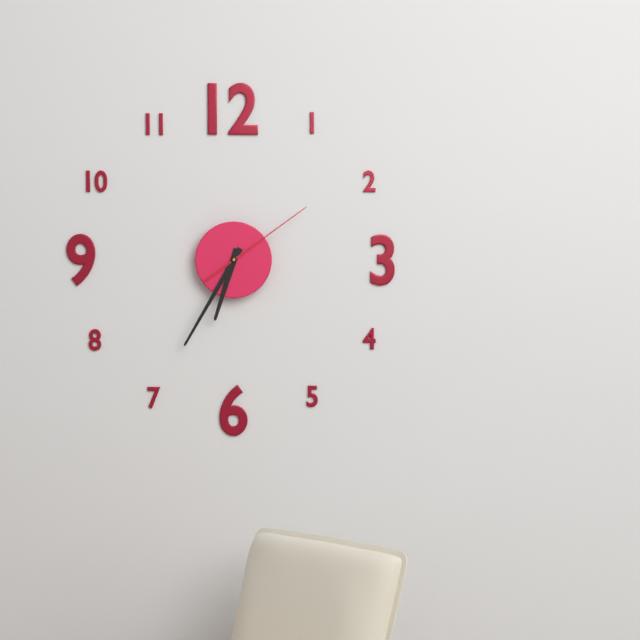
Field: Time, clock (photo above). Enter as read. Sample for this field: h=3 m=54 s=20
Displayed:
h=6 m=35 s=9
